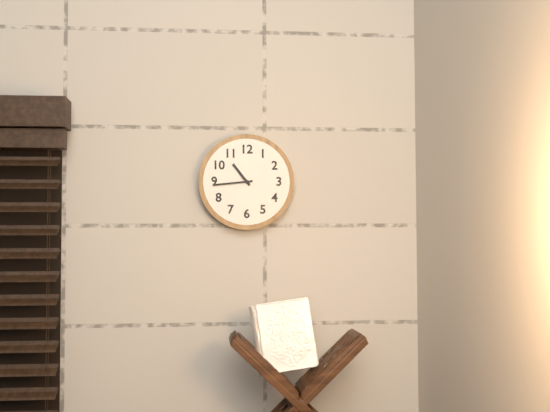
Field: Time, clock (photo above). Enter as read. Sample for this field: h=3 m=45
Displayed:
h=10 m=44
